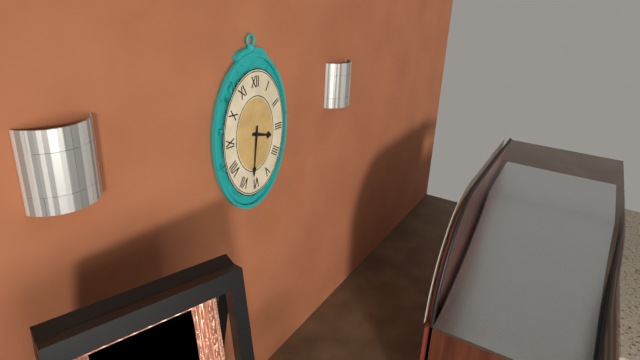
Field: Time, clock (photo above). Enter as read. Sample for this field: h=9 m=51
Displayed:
h=3 m=31
